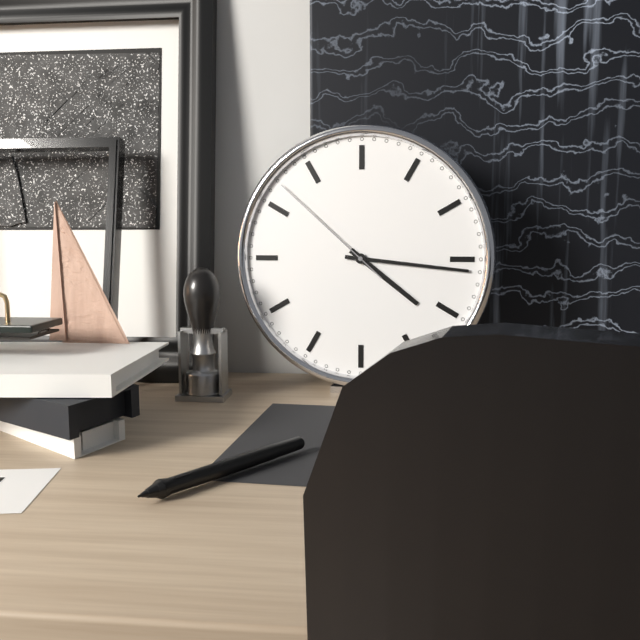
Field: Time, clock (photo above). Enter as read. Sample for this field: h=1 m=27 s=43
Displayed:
h=4 m=16 s=52
